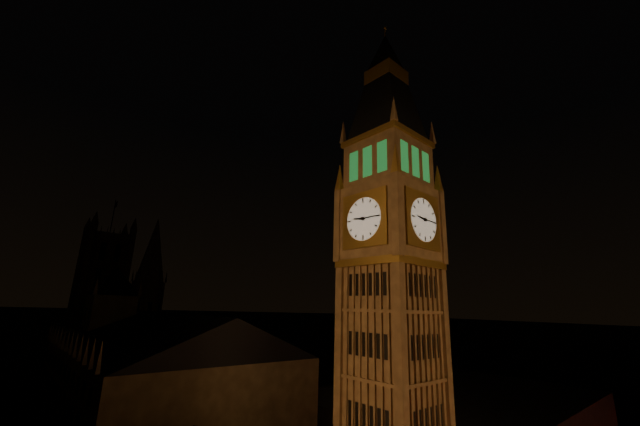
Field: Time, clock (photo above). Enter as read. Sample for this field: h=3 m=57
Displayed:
h=9 m=15
